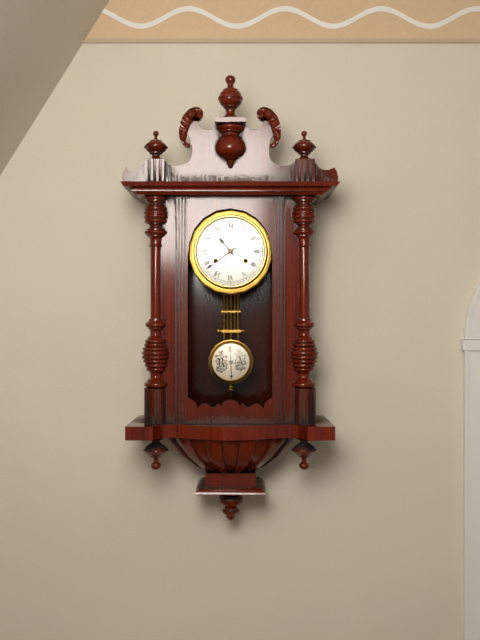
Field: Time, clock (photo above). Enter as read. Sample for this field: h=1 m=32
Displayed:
h=10 m=39
